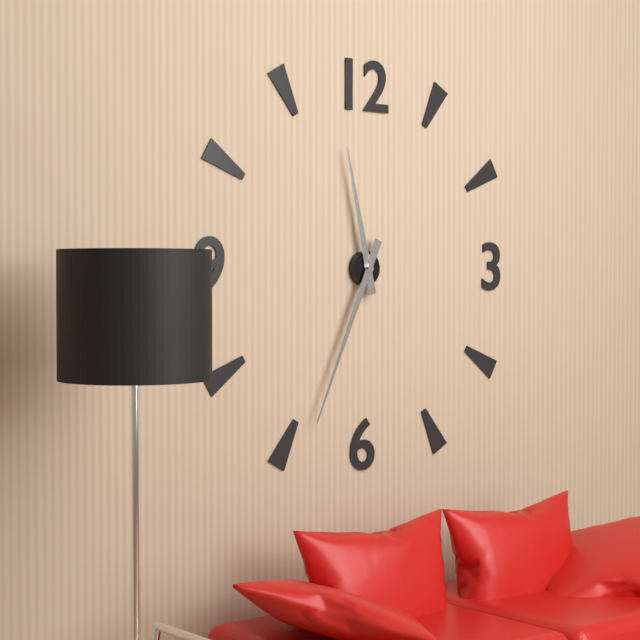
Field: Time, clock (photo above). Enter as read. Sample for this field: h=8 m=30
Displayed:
h=11 m=34
